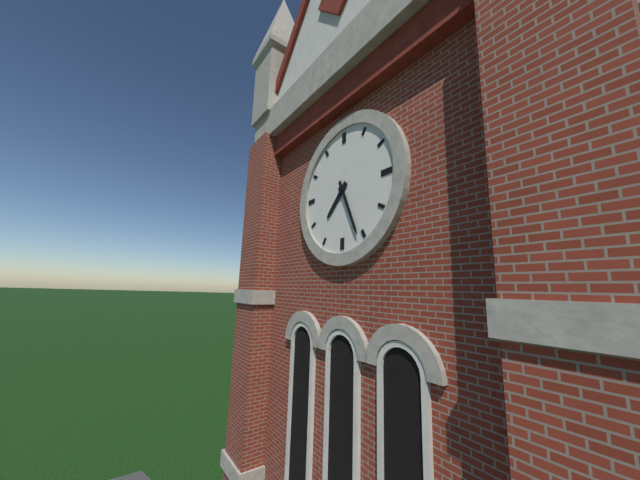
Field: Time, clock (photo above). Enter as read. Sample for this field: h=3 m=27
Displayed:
h=7 m=26
